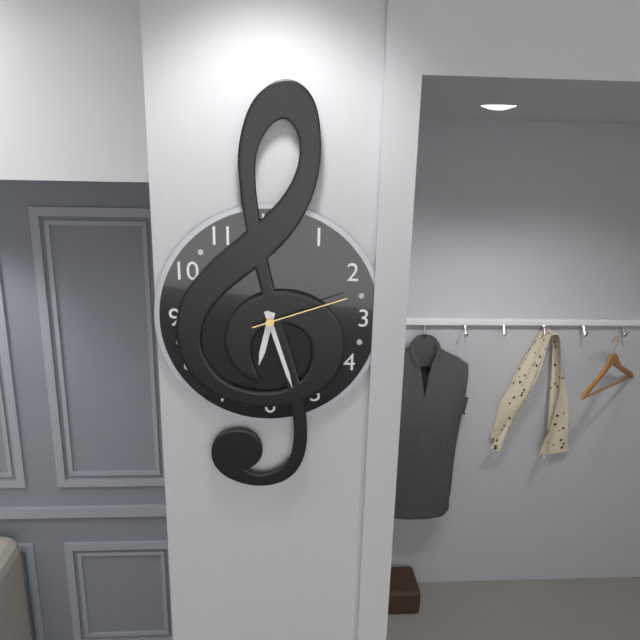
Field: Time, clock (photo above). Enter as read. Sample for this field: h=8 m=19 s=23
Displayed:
h=6 m=27 s=12
